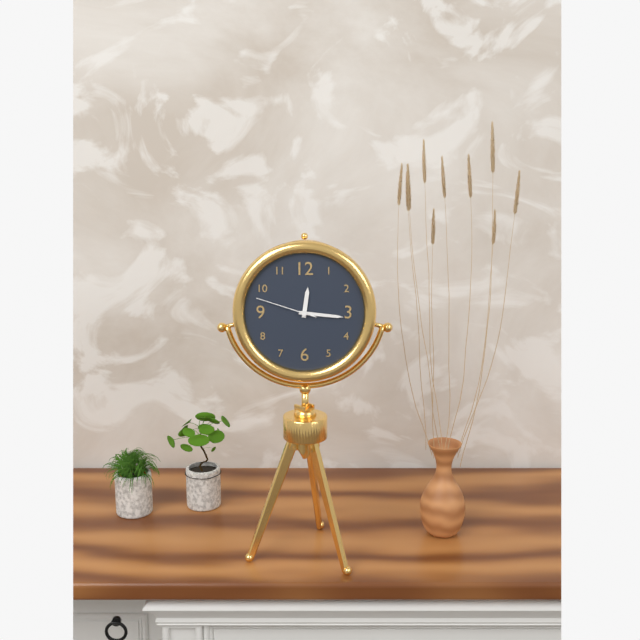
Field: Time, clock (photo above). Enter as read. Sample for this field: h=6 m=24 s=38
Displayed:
h=12 m=16 s=48
